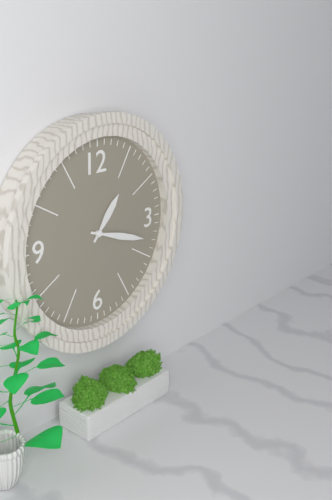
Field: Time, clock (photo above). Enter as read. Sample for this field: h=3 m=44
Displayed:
h=1 m=18
